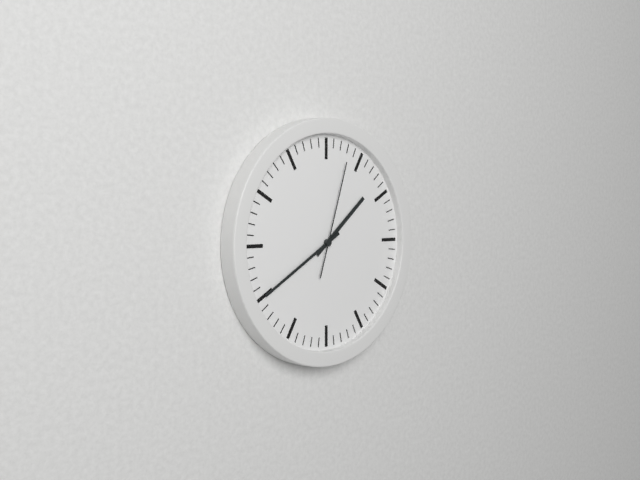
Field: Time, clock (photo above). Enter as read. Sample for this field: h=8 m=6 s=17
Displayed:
h=1 m=40 s=3
